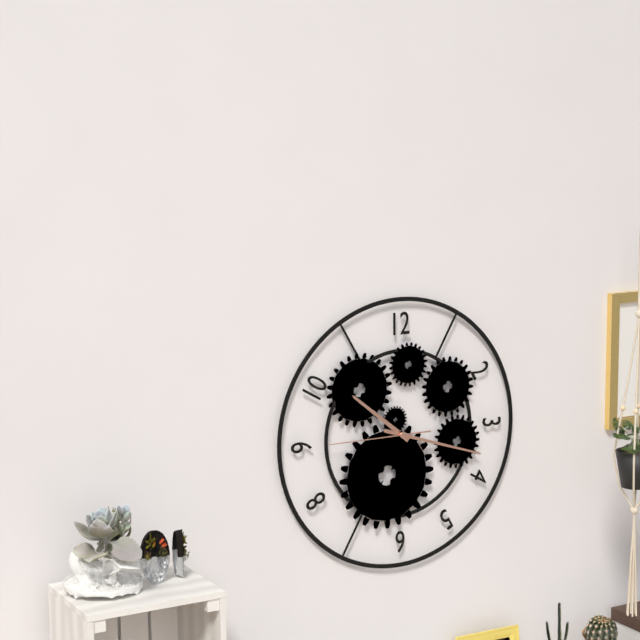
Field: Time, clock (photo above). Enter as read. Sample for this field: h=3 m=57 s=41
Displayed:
h=10 m=18 s=45
